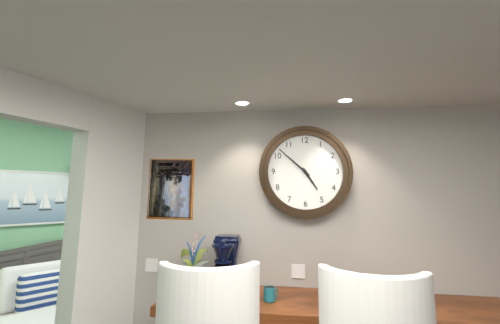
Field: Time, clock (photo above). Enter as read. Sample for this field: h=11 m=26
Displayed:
h=4 m=52
